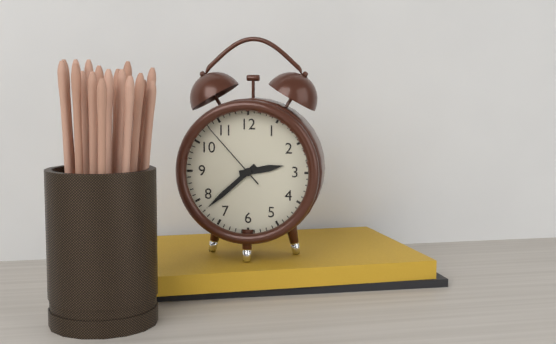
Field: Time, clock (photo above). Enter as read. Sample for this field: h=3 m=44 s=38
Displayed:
h=2 m=38 s=53
